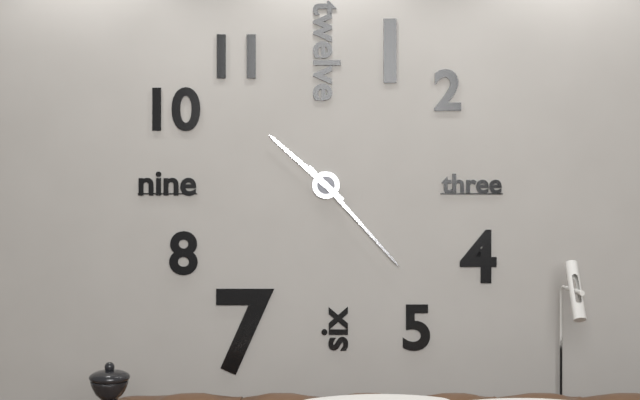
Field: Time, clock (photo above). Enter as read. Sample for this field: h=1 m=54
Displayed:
h=10 m=23
